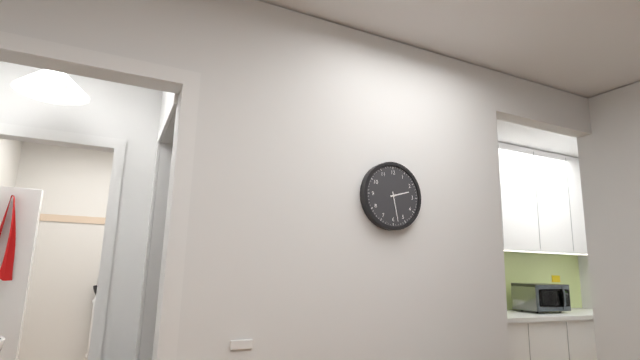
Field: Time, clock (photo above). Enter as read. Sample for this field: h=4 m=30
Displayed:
h=2 m=28
